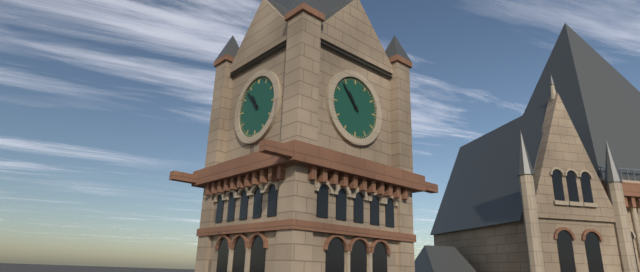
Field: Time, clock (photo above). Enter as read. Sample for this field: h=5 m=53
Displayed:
h=10 m=53
